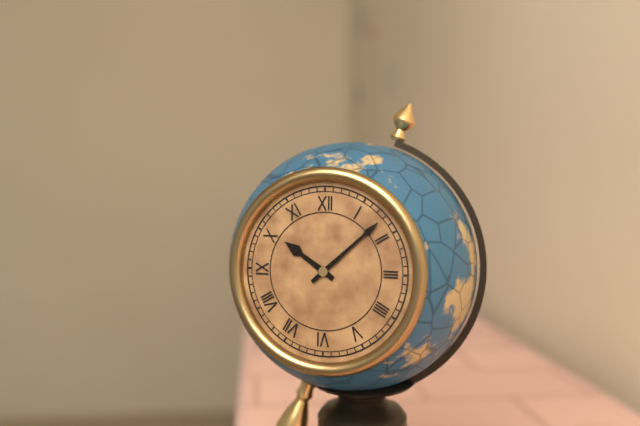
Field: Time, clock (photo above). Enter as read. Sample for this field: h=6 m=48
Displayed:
h=10 m=8
